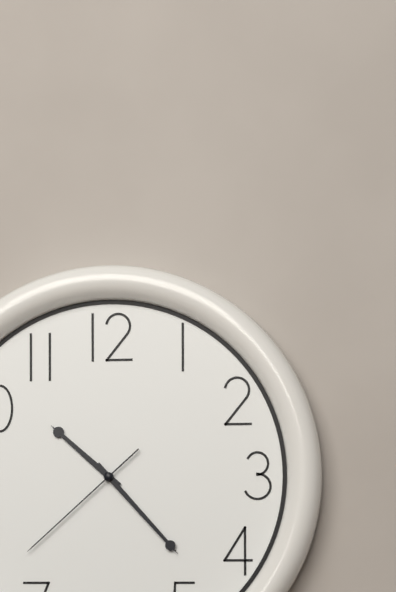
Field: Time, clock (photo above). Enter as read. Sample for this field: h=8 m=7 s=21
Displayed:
h=10 m=23 s=38
